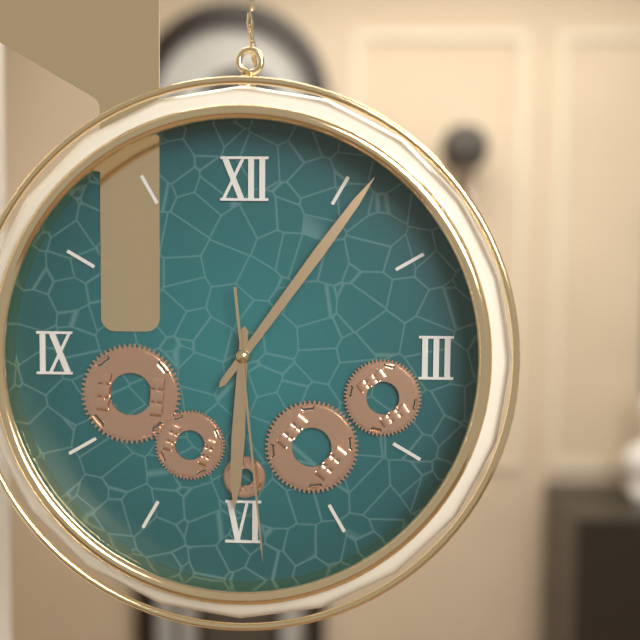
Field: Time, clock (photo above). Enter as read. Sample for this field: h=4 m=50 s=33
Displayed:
h=6 m=6 s=29
